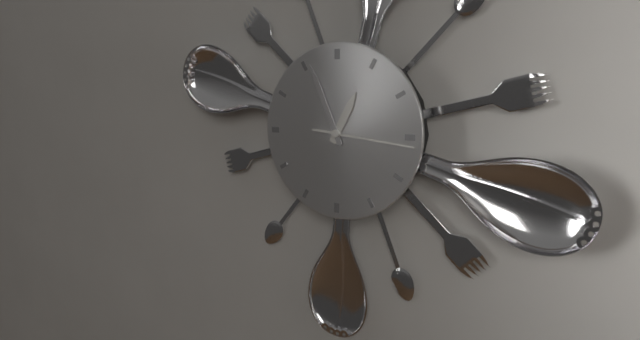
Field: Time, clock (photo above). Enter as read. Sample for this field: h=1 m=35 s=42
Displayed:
h=12 m=56 s=16
